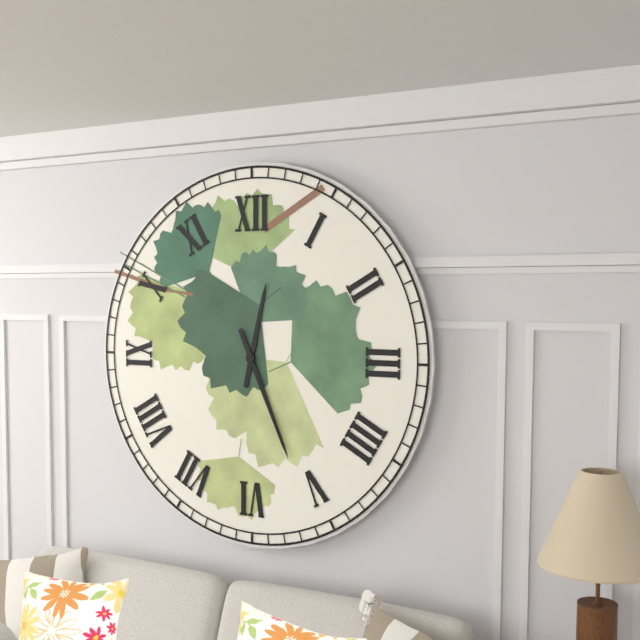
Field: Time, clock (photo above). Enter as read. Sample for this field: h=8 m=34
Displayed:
h=12 m=26
